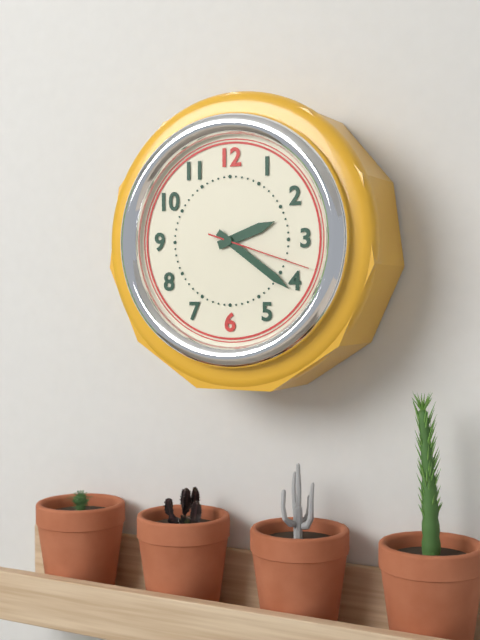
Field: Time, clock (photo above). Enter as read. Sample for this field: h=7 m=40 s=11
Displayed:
h=2 m=21 s=18
